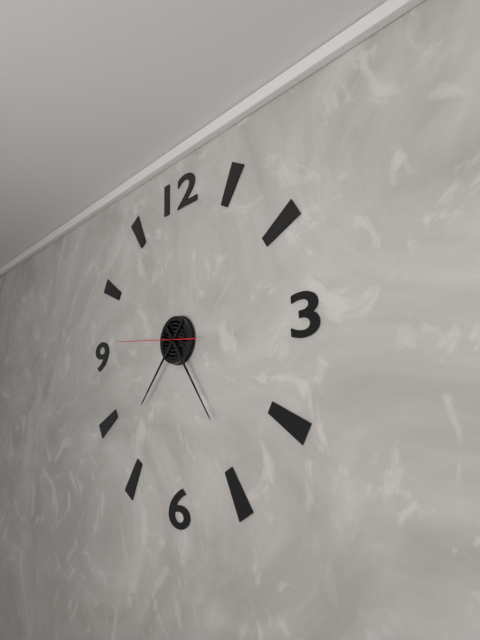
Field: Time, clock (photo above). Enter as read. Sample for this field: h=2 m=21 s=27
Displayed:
h=7 m=24 s=46
